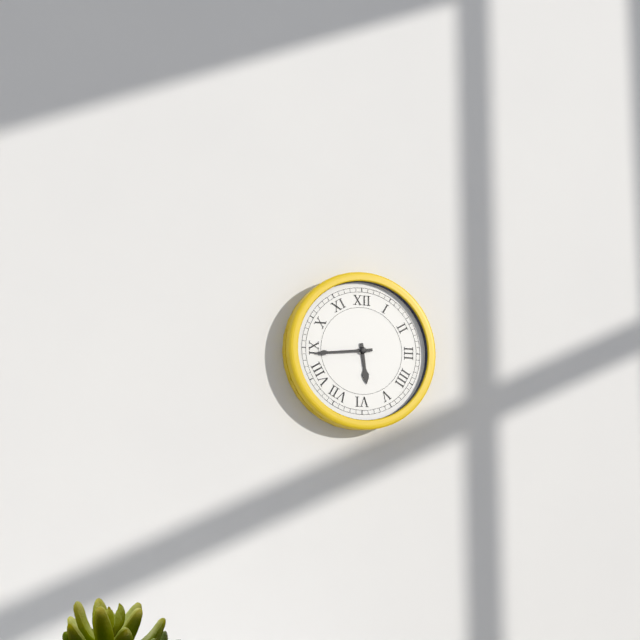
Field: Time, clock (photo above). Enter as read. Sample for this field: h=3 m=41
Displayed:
h=5 m=44
